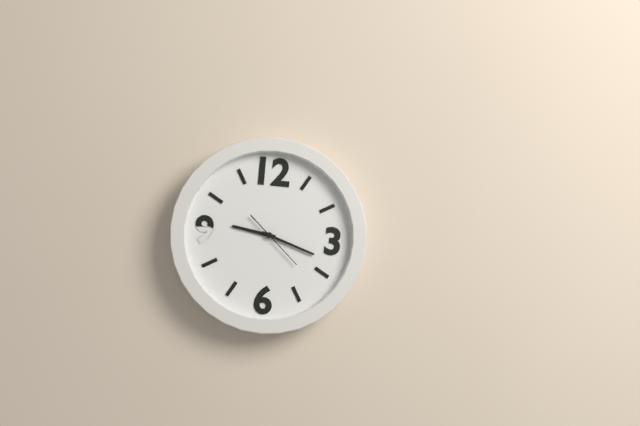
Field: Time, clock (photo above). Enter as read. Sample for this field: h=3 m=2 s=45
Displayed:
h=9 m=18 s=22
